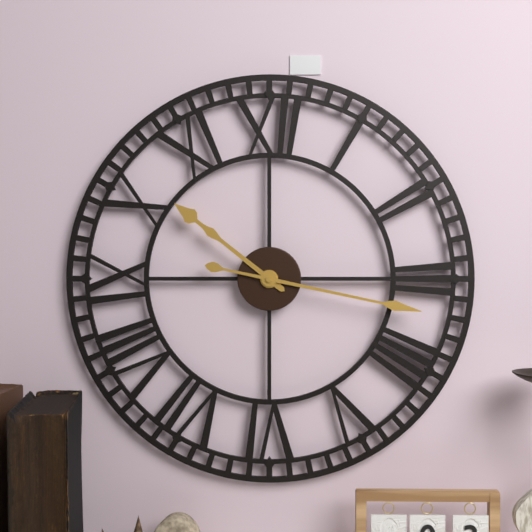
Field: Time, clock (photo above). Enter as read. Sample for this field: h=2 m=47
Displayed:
h=10 m=17
